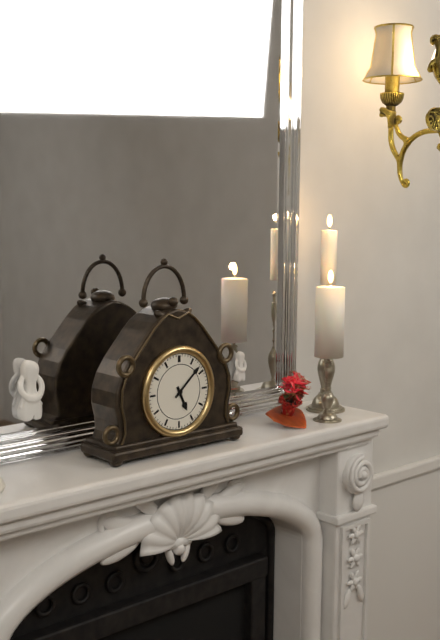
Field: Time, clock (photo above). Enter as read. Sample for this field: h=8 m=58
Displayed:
h=5 m=8
